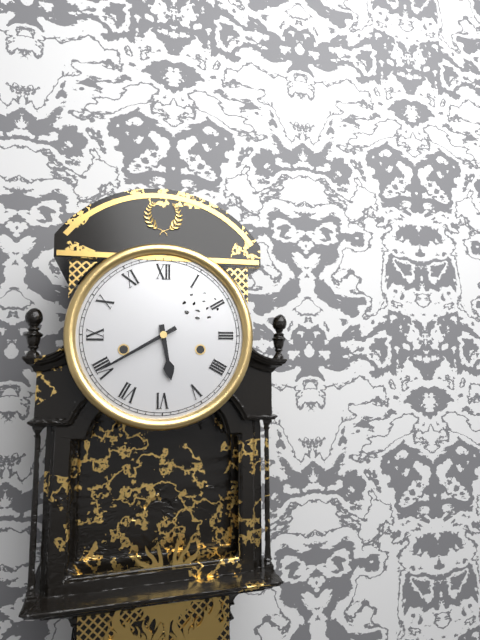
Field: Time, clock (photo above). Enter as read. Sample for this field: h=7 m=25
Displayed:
h=5 m=40
